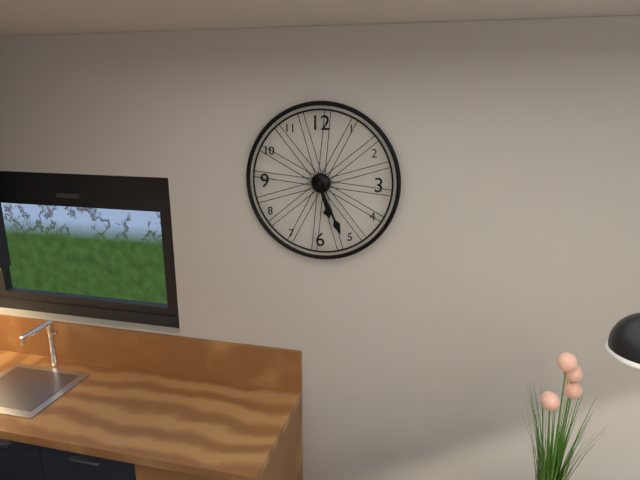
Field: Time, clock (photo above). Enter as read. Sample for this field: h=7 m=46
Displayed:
h=5 m=26
